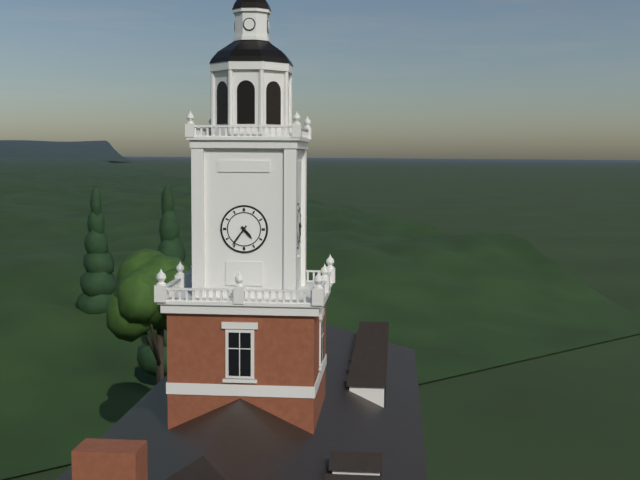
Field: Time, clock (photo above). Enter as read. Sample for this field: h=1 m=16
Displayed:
h=4 m=36
